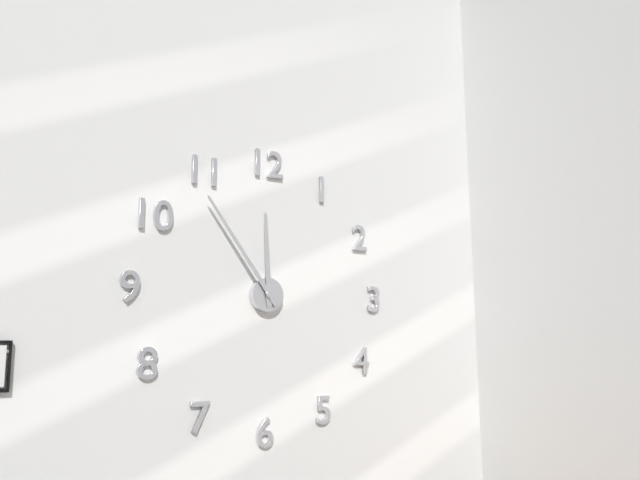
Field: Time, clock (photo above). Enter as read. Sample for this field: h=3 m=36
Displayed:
h=11 m=54
